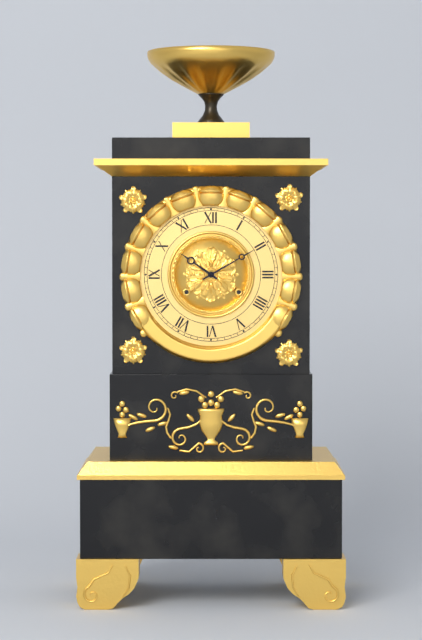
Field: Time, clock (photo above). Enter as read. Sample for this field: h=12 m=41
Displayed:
h=10 m=10
